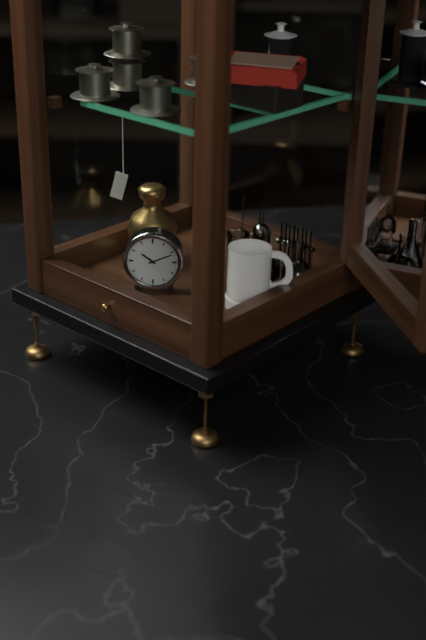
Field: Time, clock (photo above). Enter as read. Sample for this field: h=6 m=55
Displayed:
h=10 m=11
